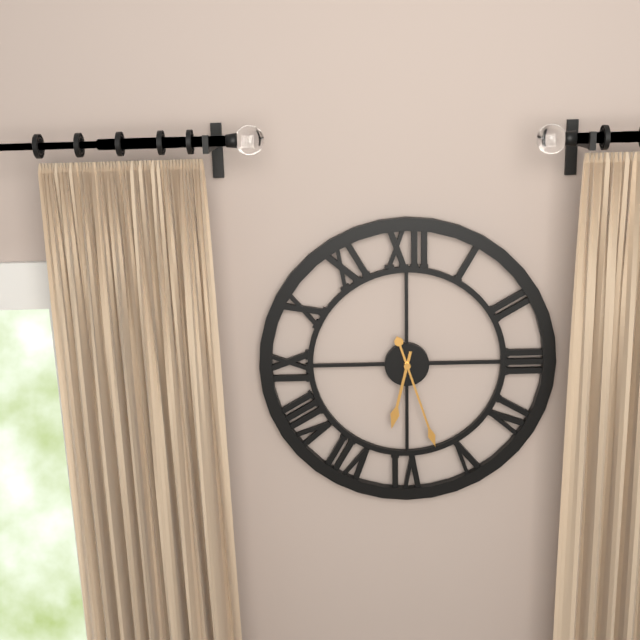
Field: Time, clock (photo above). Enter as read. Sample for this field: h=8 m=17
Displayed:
h=6 m=27
